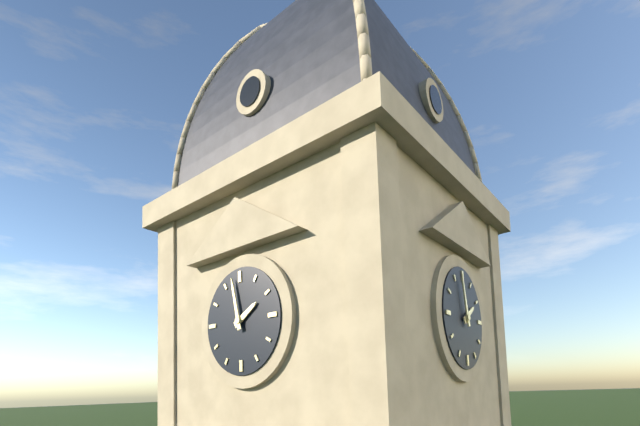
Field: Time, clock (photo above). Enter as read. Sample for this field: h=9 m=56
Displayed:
h=1 m=58
